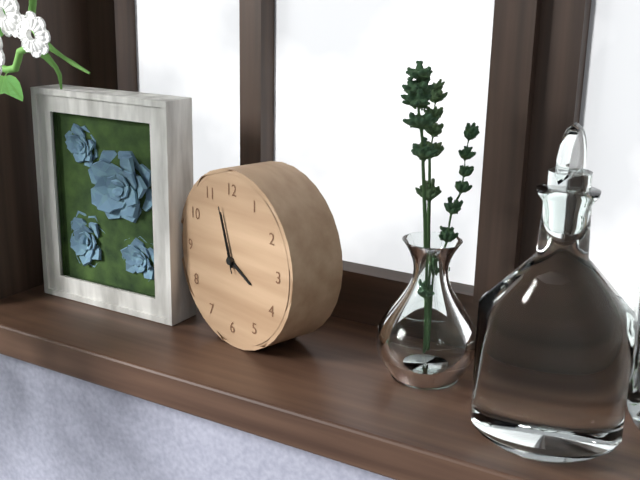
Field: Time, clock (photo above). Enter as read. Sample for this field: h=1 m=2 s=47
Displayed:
h=3 m=57 s=57
